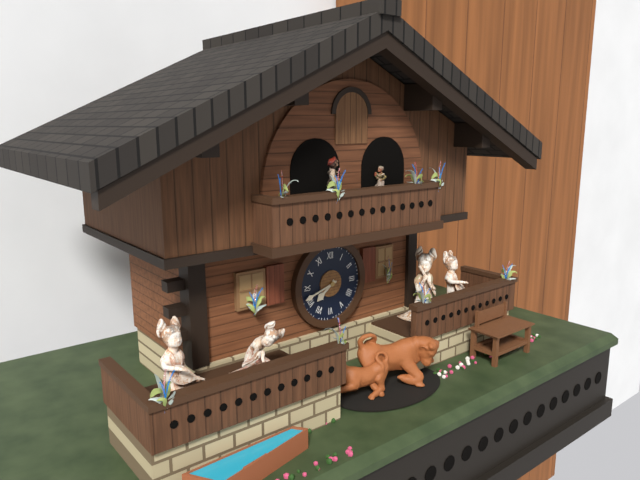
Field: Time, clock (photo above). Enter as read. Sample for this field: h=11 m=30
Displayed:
h=7 m=42
